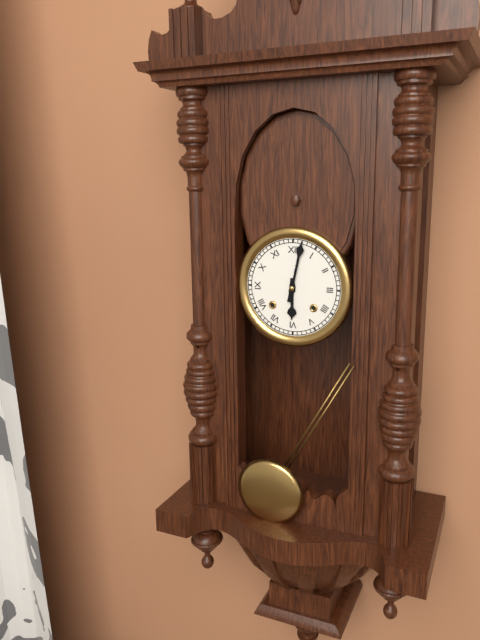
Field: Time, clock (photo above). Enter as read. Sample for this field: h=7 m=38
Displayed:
h=6 m=2
